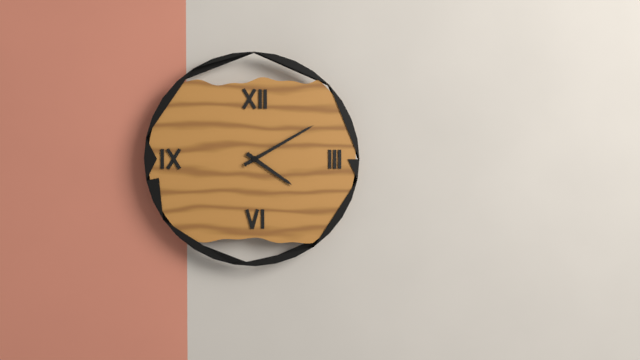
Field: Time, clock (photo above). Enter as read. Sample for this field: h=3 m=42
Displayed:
h=4 m=10
